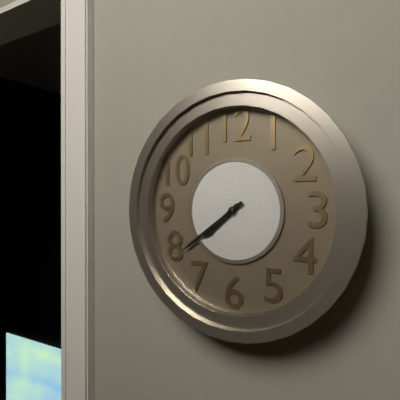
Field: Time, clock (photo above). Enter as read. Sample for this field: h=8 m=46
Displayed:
h=7 m=39
